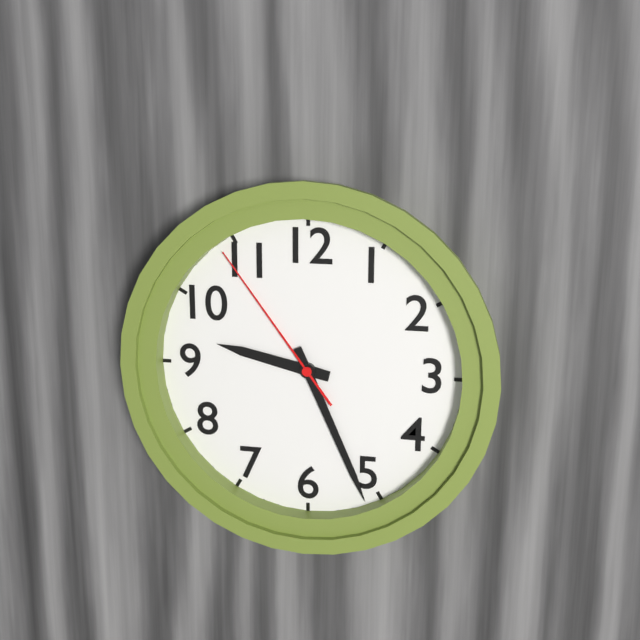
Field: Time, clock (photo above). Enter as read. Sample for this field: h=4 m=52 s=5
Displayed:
h=9 m=26 s=54
